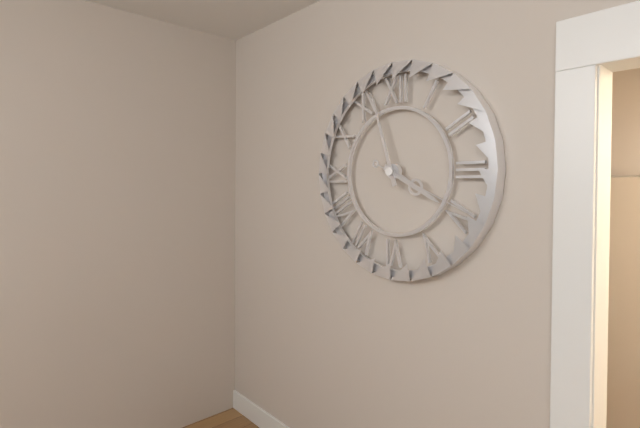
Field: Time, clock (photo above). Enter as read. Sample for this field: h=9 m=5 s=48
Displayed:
h=3 m=57 s=19
